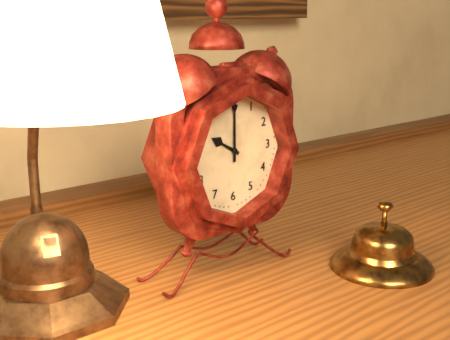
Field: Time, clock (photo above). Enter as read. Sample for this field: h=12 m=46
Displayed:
h=10 m=0
